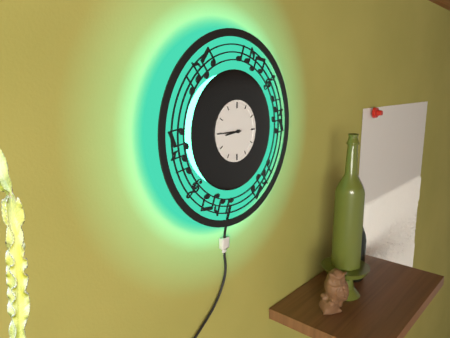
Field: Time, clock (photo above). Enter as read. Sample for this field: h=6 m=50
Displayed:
h=8 m=45
